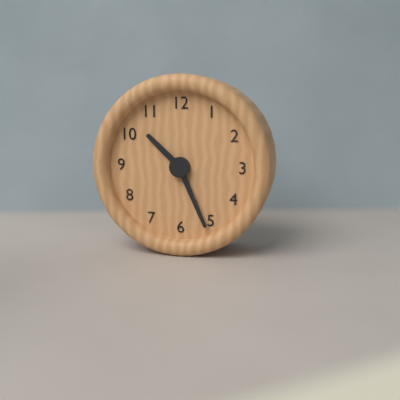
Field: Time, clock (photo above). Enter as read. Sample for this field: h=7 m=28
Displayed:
h=10 m=26
